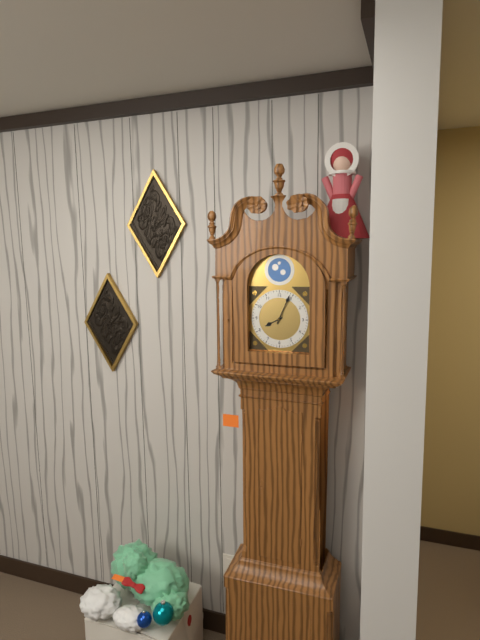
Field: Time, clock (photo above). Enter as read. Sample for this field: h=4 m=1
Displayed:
h=8 m=4
